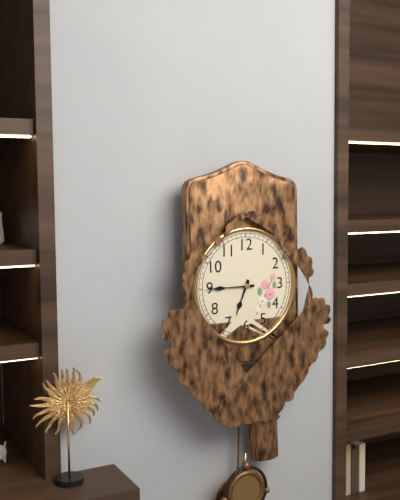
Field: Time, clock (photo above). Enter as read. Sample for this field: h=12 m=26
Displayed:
h=6 m=45
